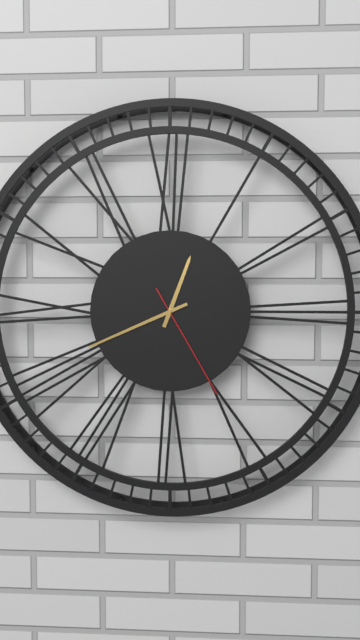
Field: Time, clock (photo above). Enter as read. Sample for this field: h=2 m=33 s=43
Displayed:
h=12 m=41 s=25
